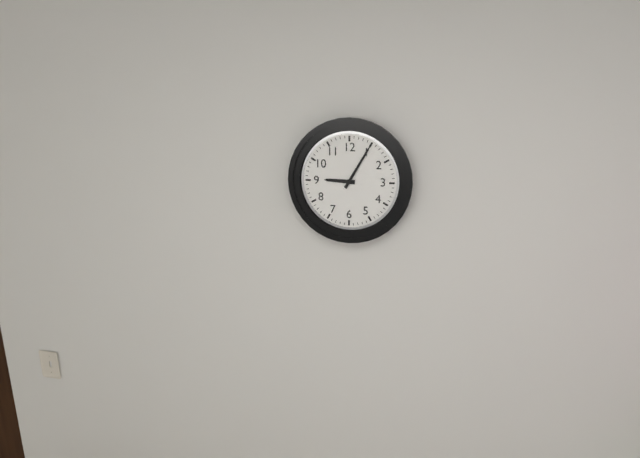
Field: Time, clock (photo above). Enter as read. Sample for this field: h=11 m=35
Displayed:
h=9 m=5
